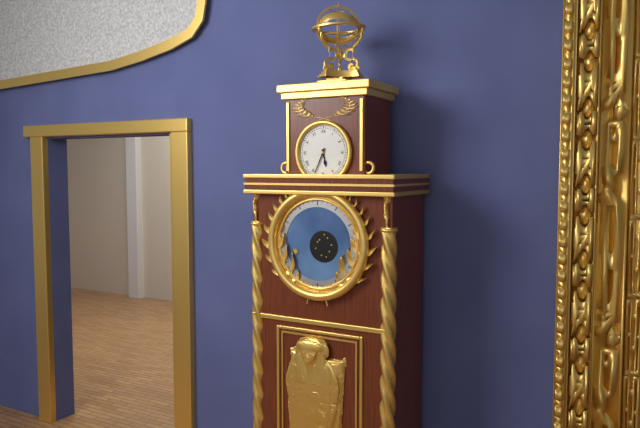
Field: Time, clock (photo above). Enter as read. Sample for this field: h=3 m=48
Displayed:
h=5 m=34
